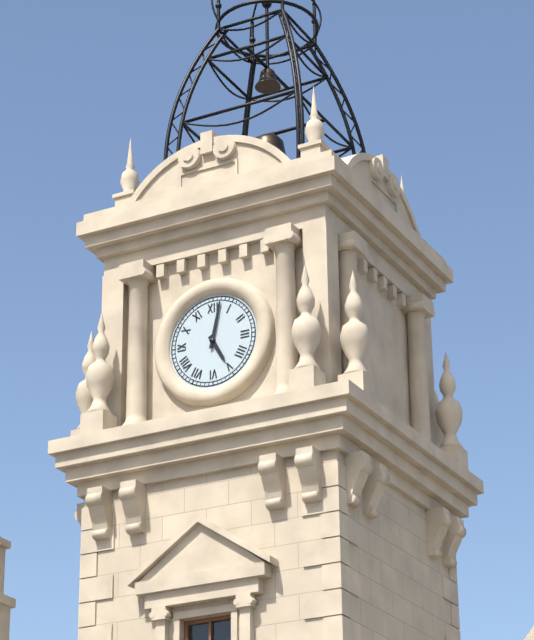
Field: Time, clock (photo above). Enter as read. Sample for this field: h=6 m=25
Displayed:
h=5 m=2
